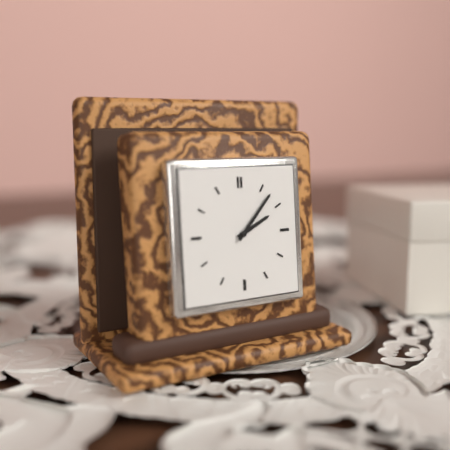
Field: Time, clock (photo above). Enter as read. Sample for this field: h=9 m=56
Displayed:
h=2 m=7
